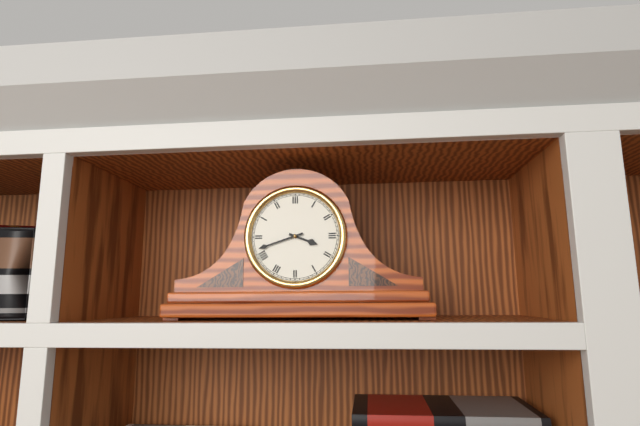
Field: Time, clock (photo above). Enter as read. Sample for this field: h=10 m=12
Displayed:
h=3 m=42
